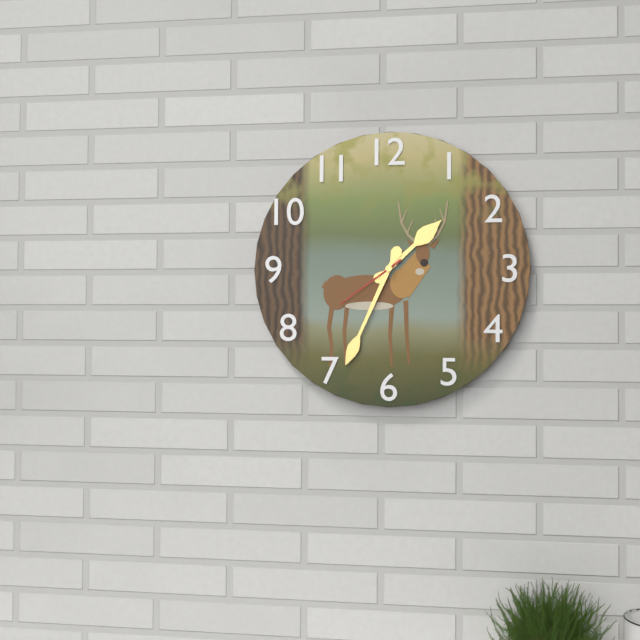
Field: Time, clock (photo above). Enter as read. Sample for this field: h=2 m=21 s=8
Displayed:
h=1 m=34 s=39
